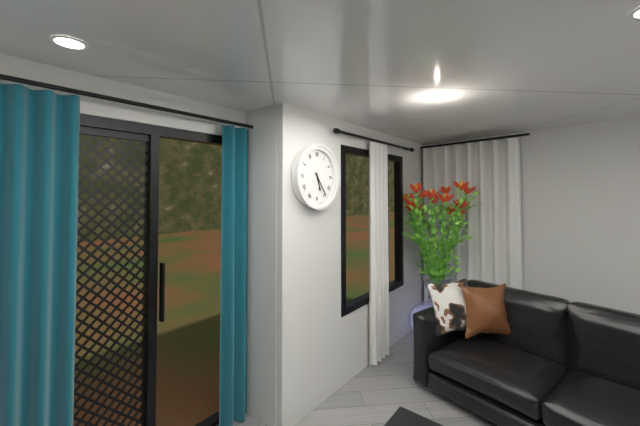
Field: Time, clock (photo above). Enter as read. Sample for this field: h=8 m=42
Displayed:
h=5 m=24
